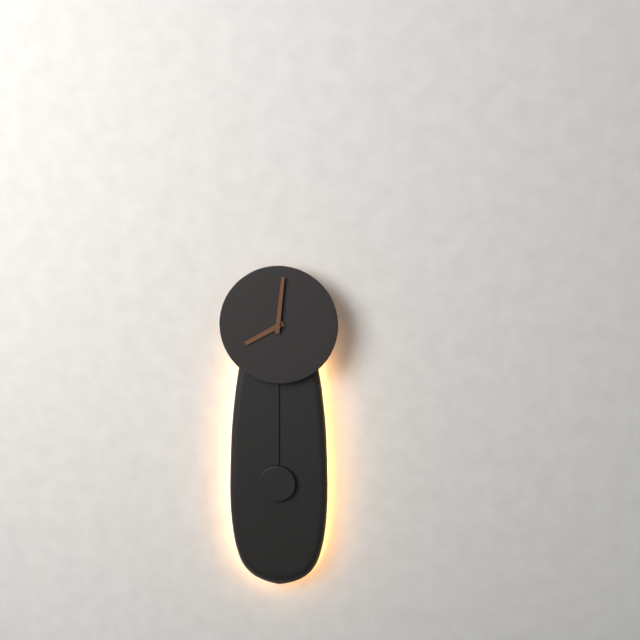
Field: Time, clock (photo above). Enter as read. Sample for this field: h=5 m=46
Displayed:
h=8 m=1
